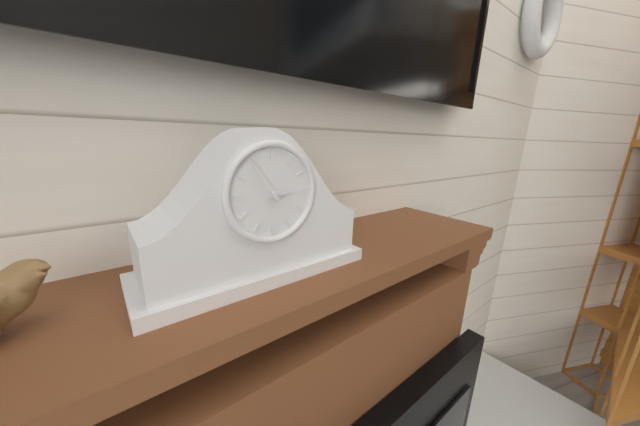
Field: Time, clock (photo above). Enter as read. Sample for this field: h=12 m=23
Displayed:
h=2 m=54
